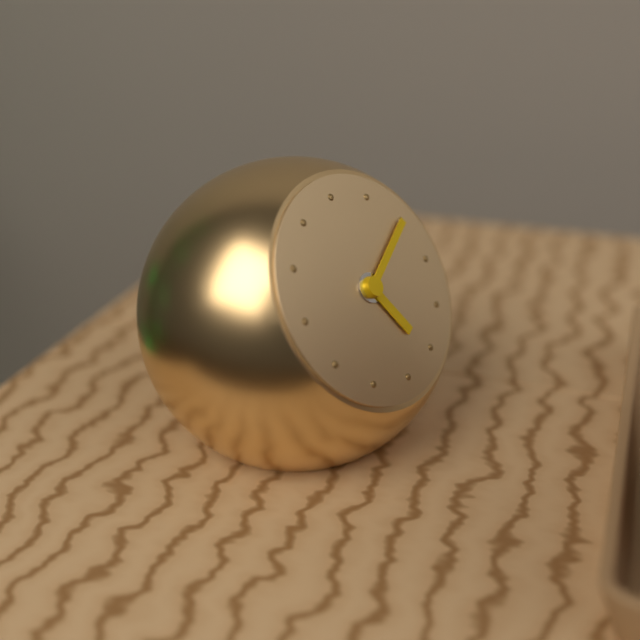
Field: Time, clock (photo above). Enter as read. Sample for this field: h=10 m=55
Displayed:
h=5 m=10
